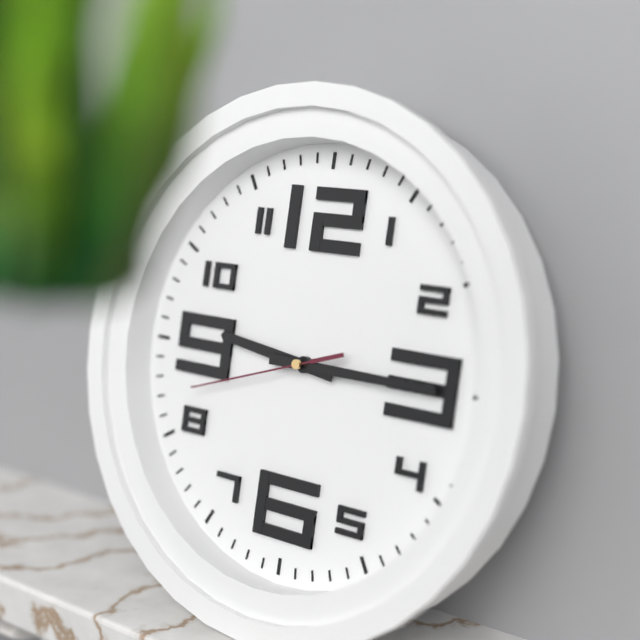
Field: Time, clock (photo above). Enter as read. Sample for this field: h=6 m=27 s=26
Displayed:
h=9 m=15 s=42
